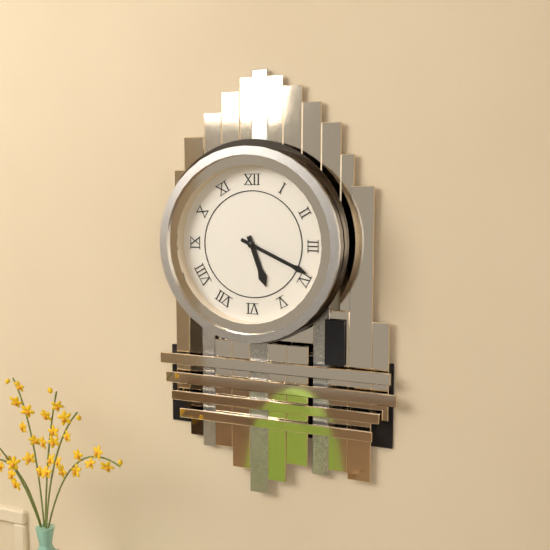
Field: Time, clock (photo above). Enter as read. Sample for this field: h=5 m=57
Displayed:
h=5 m=19
